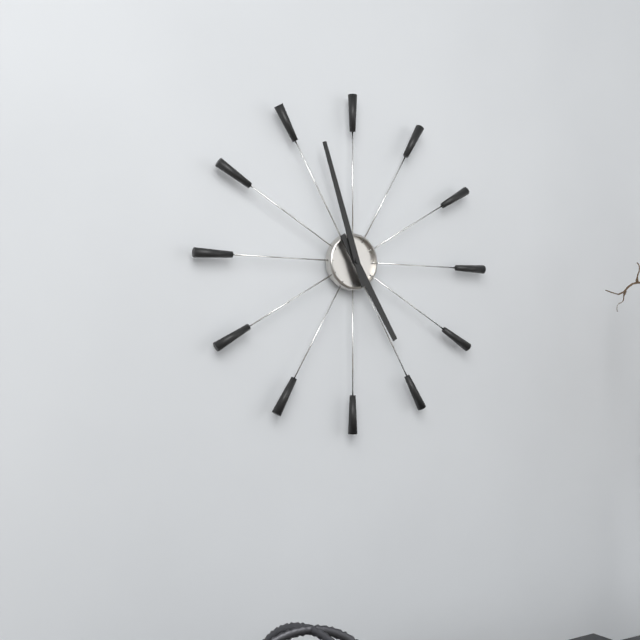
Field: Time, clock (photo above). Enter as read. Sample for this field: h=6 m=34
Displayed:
h=4 m=57
